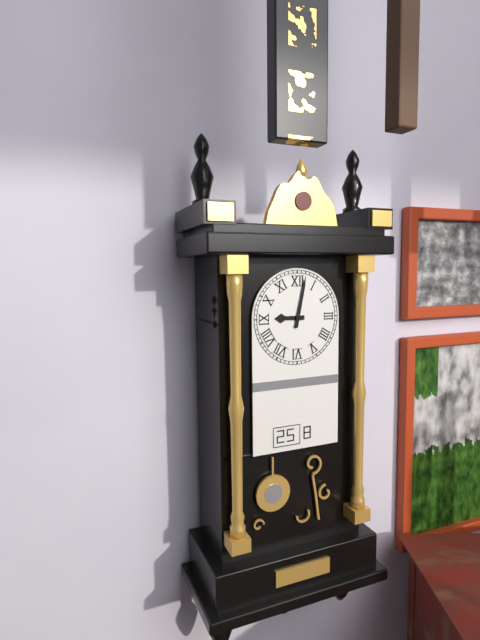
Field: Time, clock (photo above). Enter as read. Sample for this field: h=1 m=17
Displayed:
h=9 m=2
